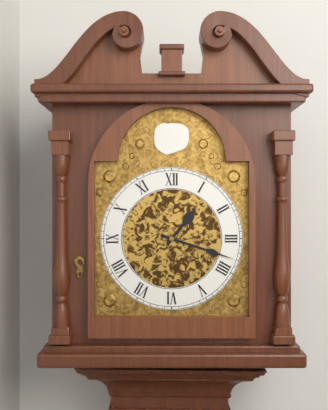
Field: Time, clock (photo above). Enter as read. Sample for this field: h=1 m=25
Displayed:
h=1 m=18
